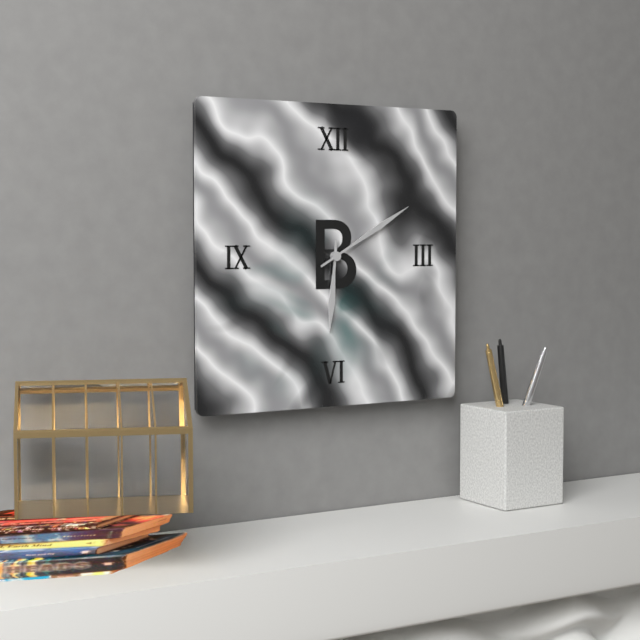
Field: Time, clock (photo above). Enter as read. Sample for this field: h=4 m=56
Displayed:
h=6 m=10
